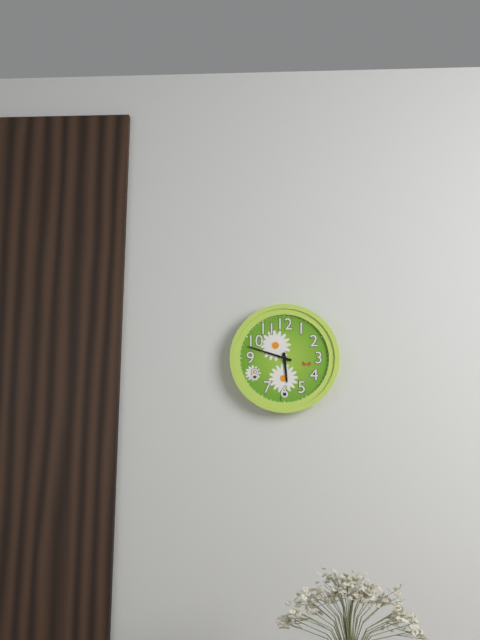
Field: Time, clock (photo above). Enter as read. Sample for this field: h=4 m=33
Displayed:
h=5 m=48
